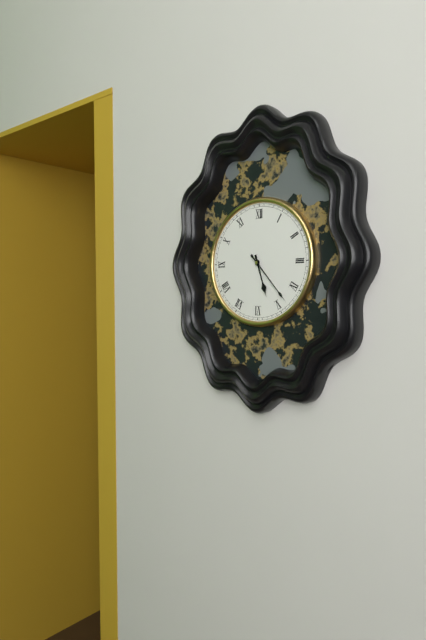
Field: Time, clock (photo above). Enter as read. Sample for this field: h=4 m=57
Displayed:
h=5 m=23
